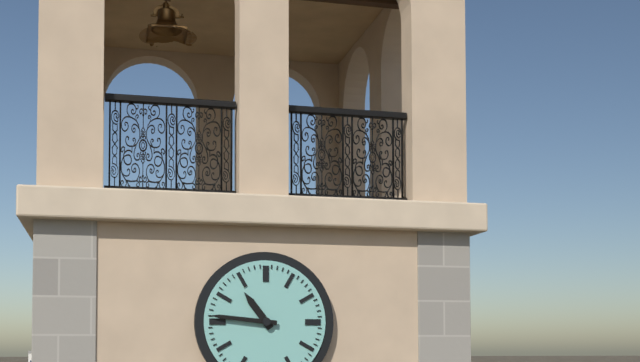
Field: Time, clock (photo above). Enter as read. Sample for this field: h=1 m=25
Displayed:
h=10 m=46
